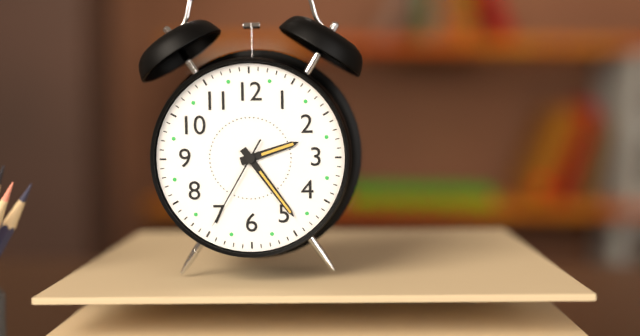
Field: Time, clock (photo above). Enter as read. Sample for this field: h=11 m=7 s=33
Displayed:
h=2 m=24 s=35
